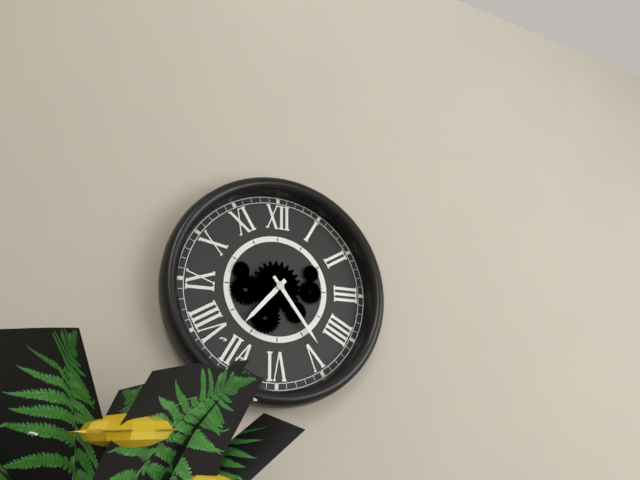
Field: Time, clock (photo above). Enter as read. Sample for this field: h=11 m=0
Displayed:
h=7 m=24
